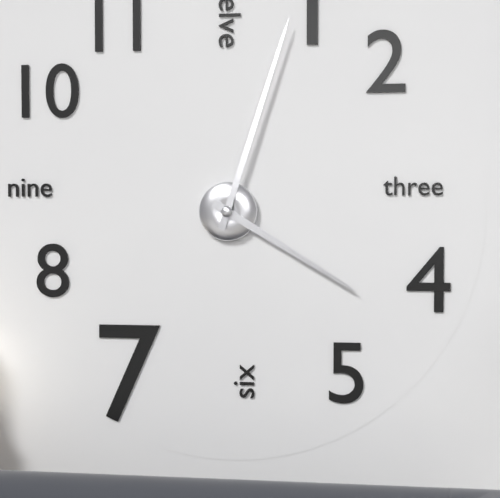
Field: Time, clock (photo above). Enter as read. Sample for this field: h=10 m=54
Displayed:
h=4 m=3
